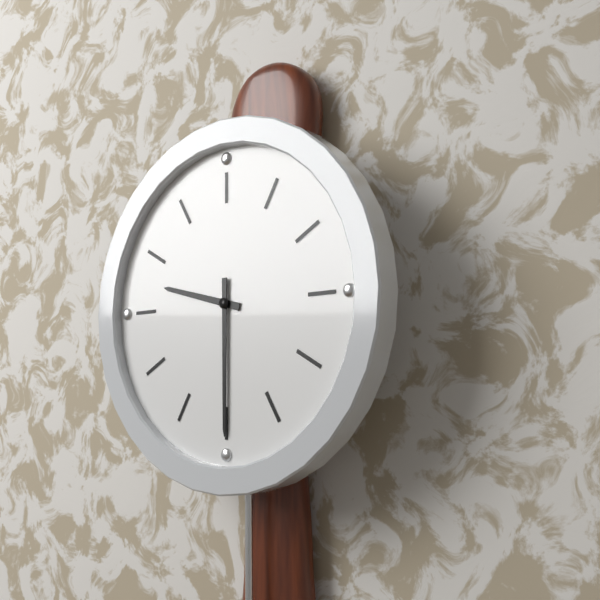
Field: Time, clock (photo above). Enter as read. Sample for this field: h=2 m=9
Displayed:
h=9 m=30
